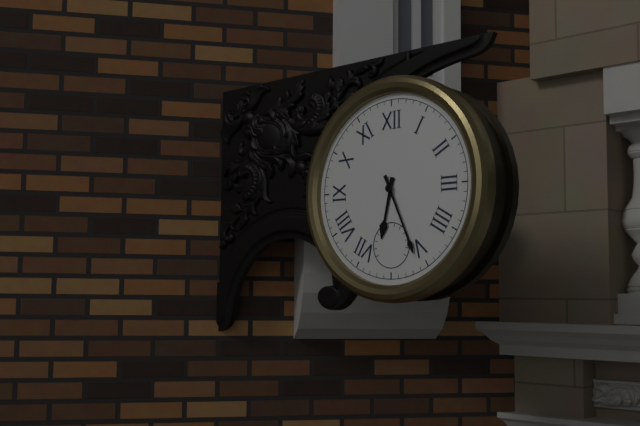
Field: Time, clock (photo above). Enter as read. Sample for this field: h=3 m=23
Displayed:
h=6 m=26
